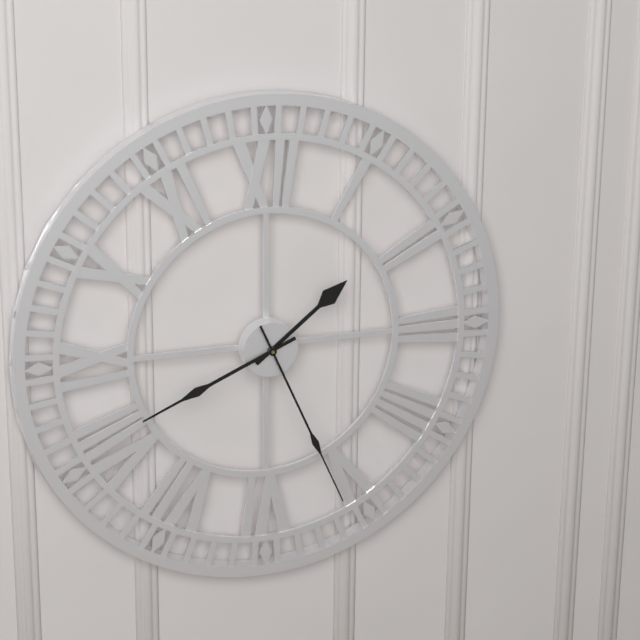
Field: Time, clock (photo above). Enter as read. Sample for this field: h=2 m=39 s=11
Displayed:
h=1 m=41 s=26
